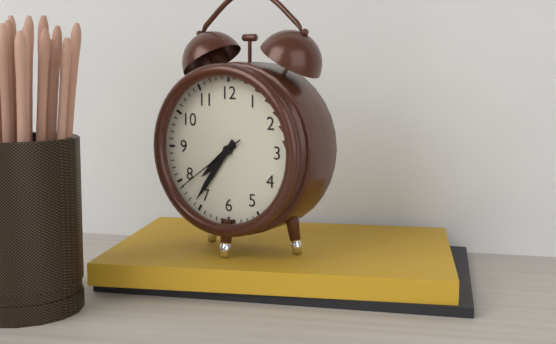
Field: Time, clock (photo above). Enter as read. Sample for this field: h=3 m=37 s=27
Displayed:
h=7 m=36 s=39
